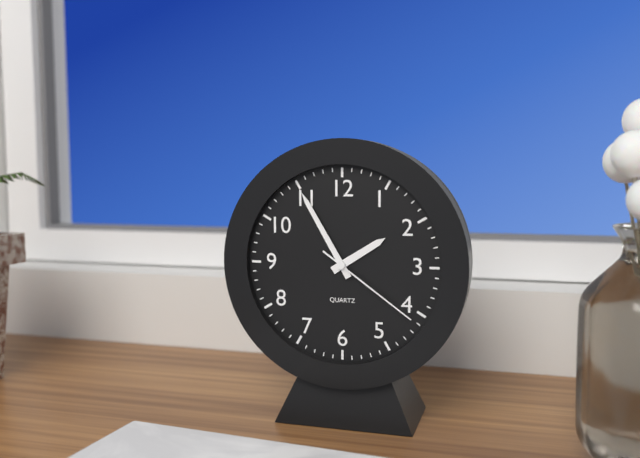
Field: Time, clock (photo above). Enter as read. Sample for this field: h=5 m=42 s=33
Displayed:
h=1 m=55 s=21
